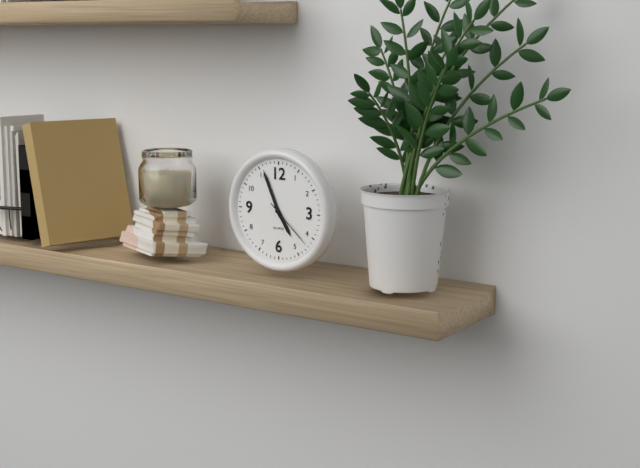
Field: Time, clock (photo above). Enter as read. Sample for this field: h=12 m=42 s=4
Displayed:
h=4 m=56 s=22
